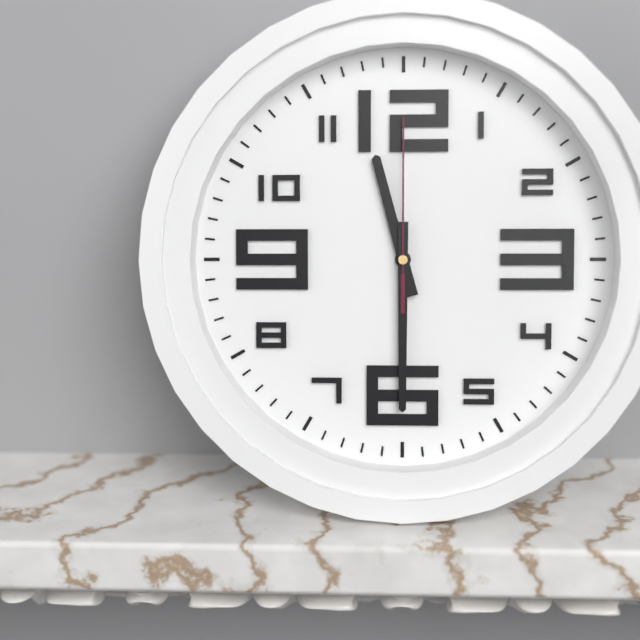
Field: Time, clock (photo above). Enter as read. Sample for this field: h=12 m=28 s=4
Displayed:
h=11 m=30 s=0
